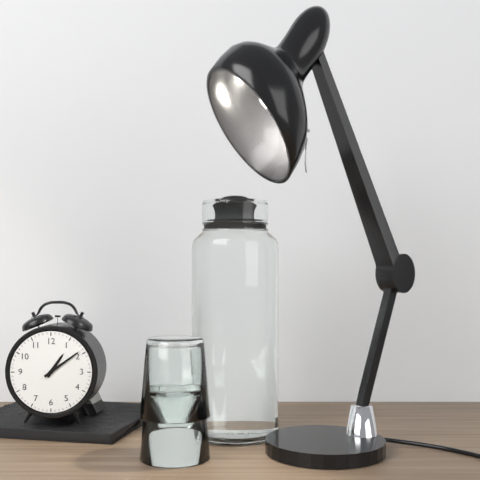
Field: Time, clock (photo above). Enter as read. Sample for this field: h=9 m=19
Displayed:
h=1 m=9
